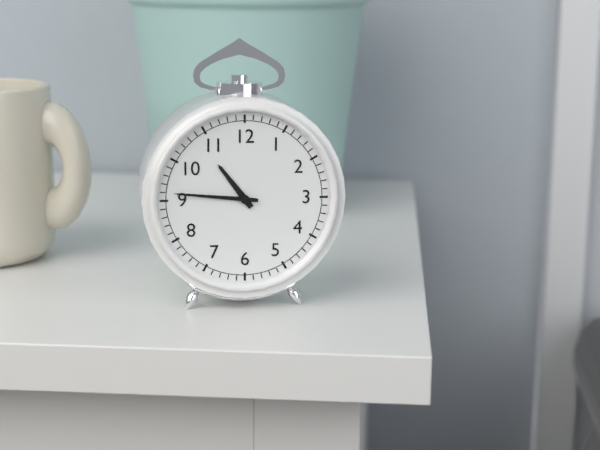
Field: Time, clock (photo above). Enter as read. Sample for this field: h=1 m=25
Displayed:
h=10 m=46
